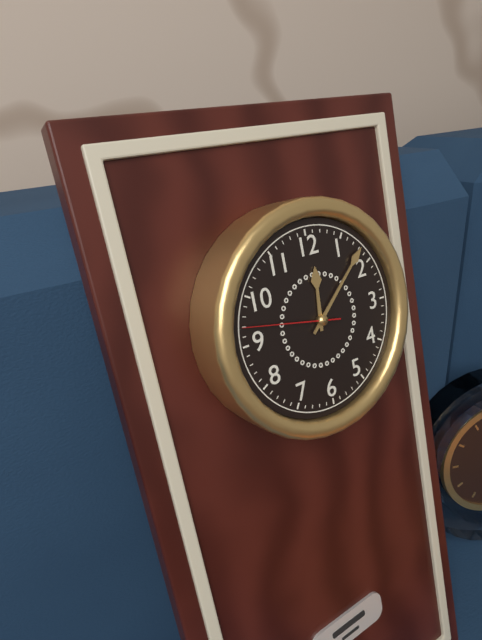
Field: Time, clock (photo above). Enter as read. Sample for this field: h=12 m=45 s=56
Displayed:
h=12 m=8 s=47
